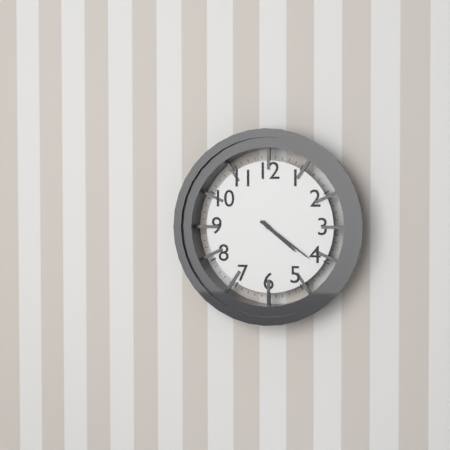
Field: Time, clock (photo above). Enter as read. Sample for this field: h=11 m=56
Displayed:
h=4 m=21
